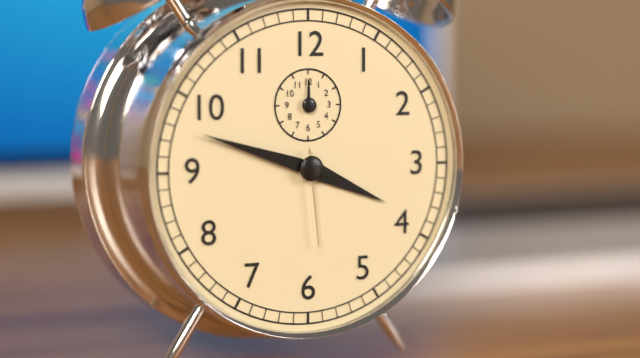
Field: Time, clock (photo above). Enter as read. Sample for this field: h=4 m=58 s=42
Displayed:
h=3 m=48 s=29
